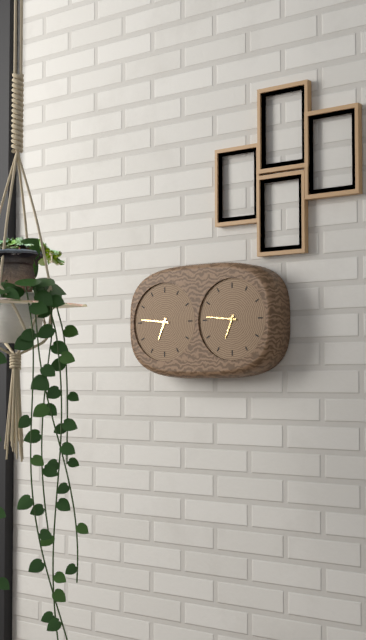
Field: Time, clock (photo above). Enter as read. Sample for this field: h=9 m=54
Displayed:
h=6 m=46
